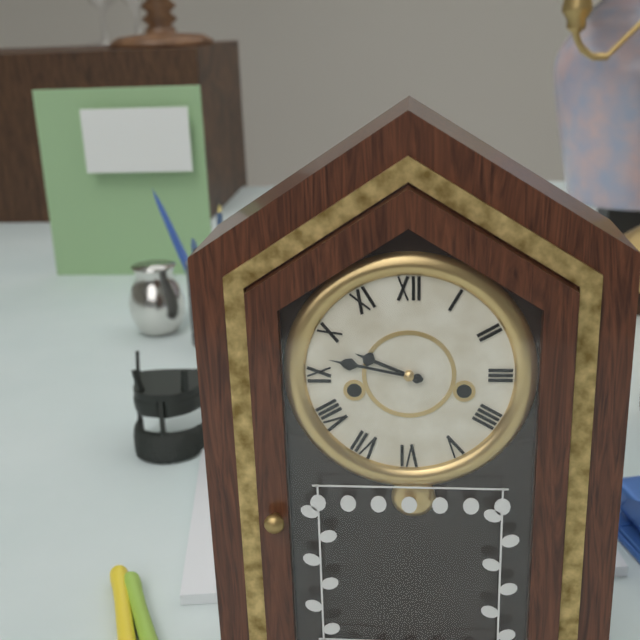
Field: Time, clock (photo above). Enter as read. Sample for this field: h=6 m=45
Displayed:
h=9 m=47
